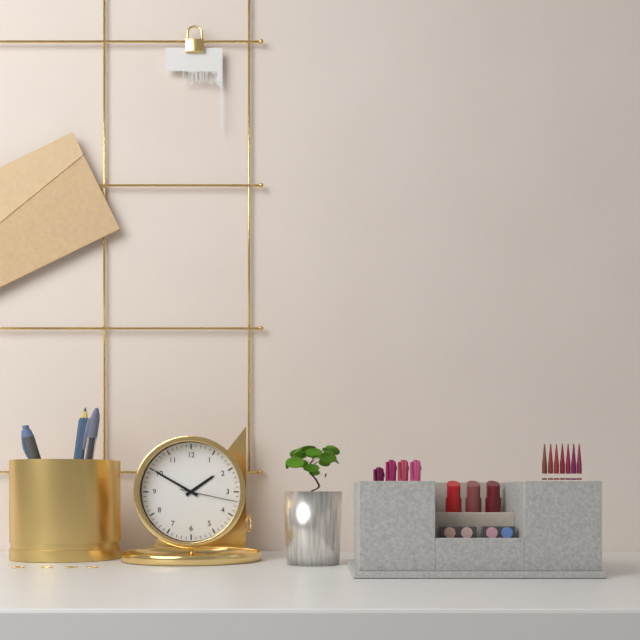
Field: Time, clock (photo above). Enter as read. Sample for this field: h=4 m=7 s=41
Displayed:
h=1 m=50 s=17
